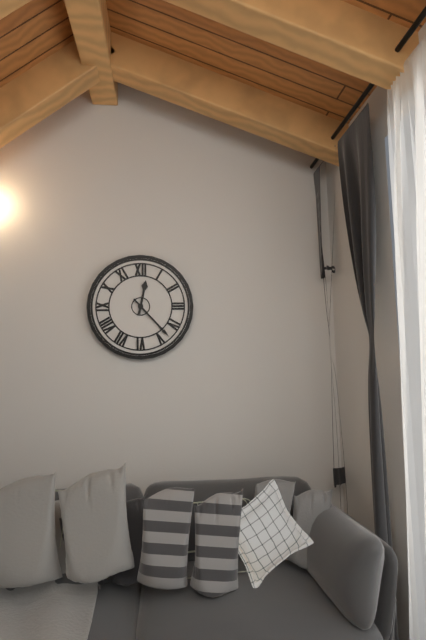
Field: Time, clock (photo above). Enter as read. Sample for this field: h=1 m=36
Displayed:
h=12 m=23
